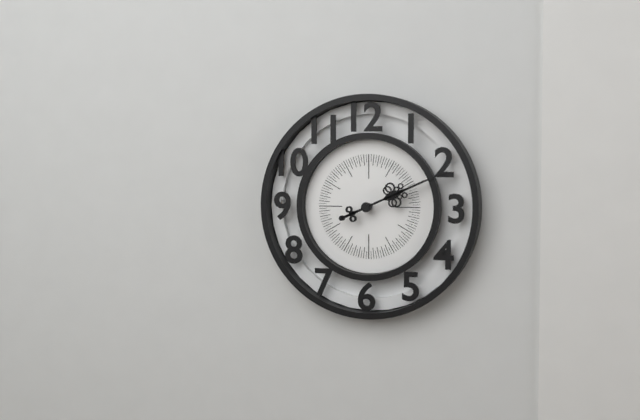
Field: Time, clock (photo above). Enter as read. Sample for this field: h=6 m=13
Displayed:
h=2 m=11
